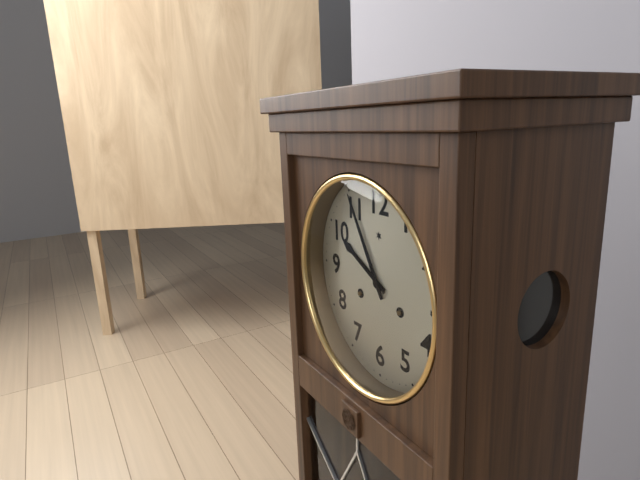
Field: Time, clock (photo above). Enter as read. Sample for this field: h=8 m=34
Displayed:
h=9 m=55
